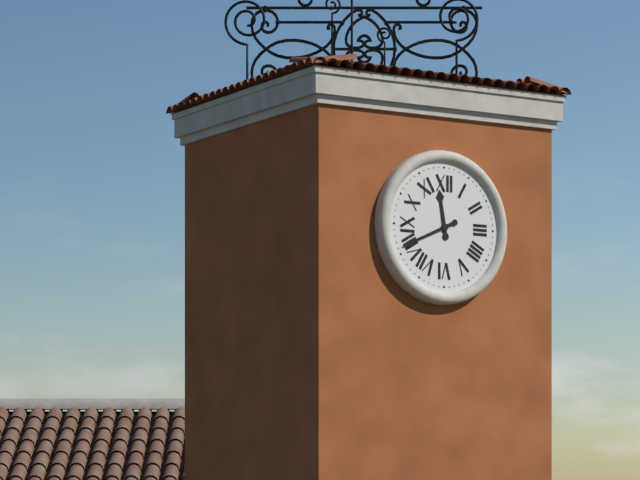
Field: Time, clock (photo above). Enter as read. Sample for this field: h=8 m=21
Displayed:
h=11 m=41
